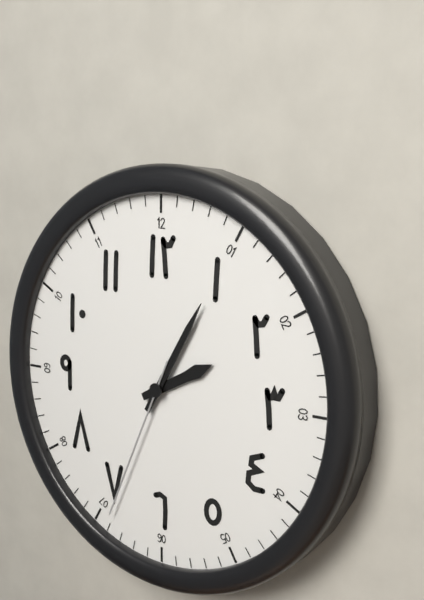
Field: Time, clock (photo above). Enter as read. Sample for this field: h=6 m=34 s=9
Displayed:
h=2 m=5 s=34
